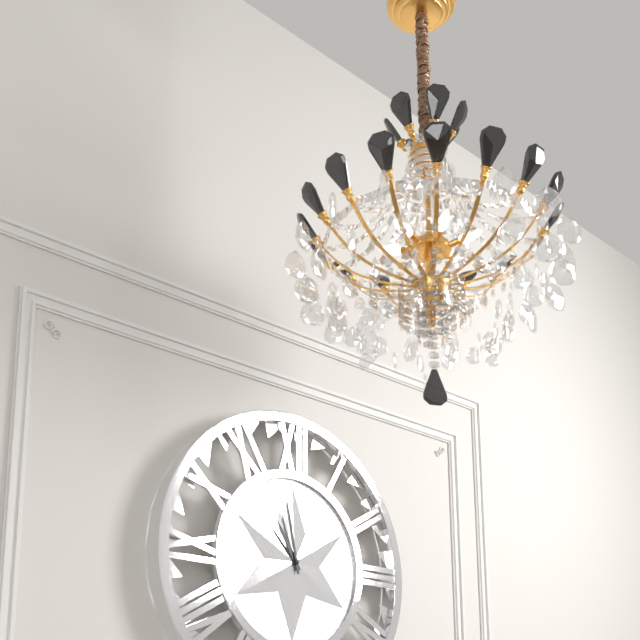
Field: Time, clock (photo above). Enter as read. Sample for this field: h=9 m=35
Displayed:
h=10 m=58
